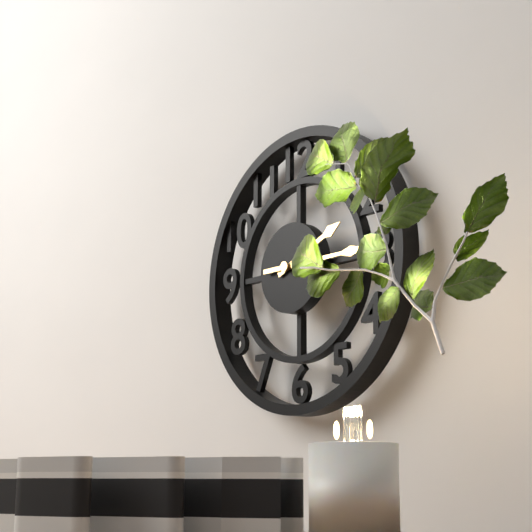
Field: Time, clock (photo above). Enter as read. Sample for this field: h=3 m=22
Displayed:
h=2 m=15
